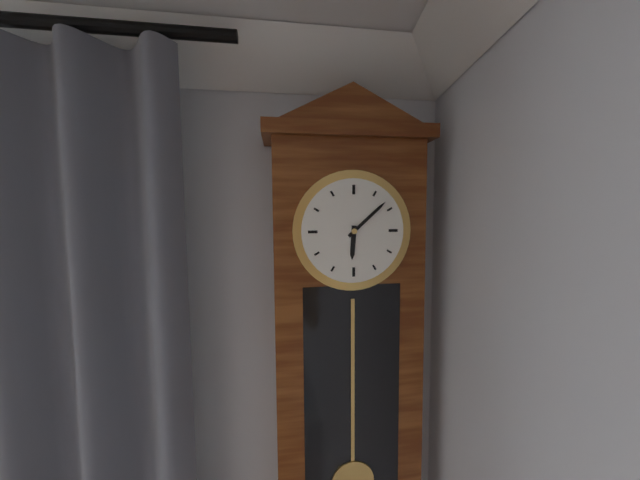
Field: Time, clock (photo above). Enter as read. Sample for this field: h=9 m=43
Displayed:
h=6 m=8
